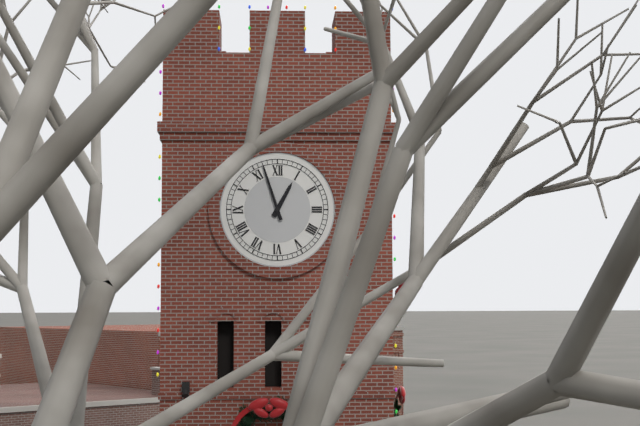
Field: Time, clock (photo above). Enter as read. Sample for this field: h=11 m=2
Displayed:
h=12 m=57
